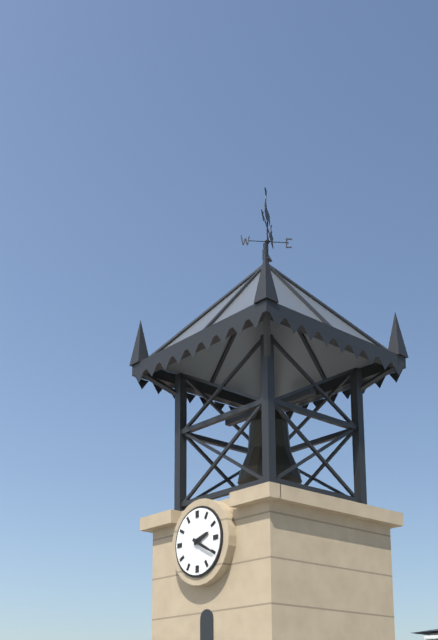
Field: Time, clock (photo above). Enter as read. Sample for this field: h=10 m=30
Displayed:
h=2 m=20
